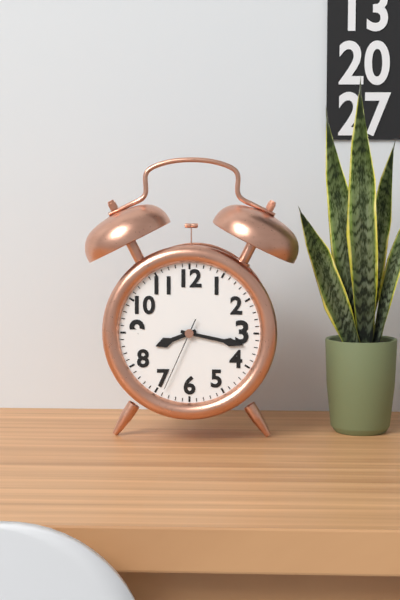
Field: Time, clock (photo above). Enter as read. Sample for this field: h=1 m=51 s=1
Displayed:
h=8 m=17 s=34
